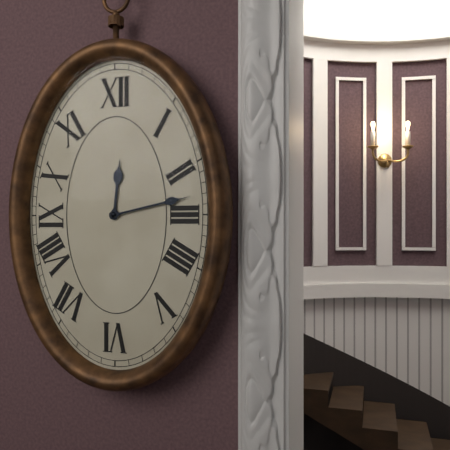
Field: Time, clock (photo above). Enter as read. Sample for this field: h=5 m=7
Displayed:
h=12 m=13
